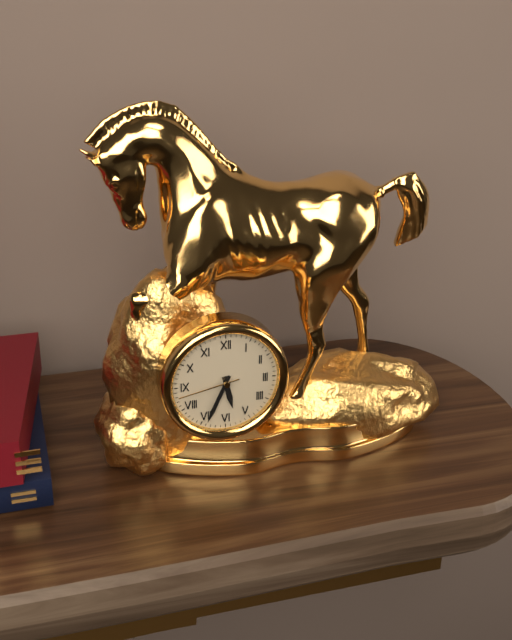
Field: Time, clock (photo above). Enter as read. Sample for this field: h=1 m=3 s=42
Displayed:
h=5 m=34 s=43
